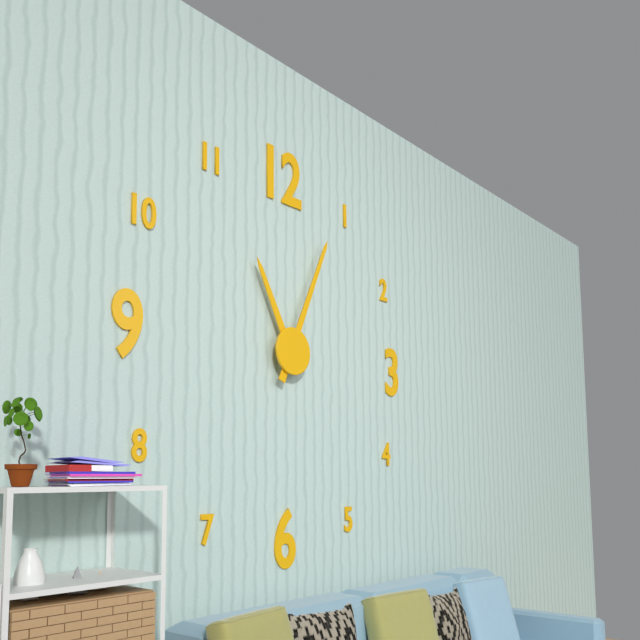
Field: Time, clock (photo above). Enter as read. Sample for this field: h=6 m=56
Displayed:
h=11 m=4
